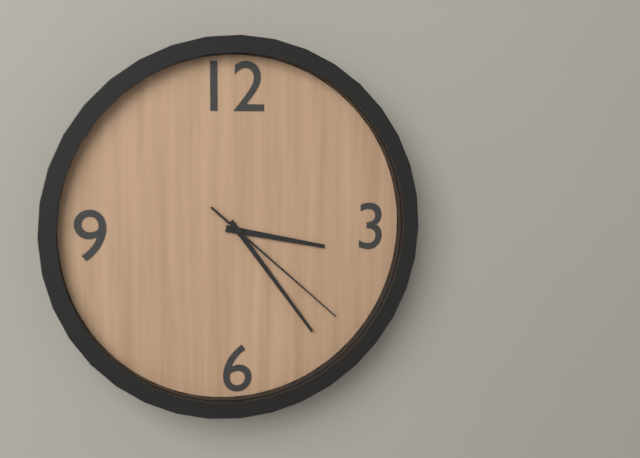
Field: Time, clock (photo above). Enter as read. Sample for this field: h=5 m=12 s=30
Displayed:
h=3 m=24 s=22
